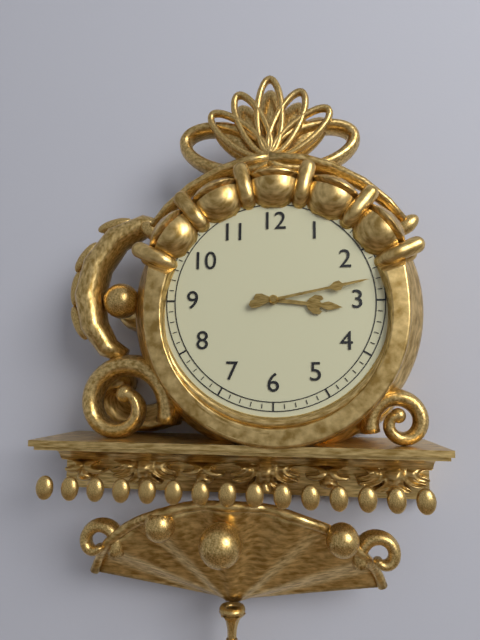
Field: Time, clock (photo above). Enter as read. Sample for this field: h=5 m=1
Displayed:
h=3 m=13
